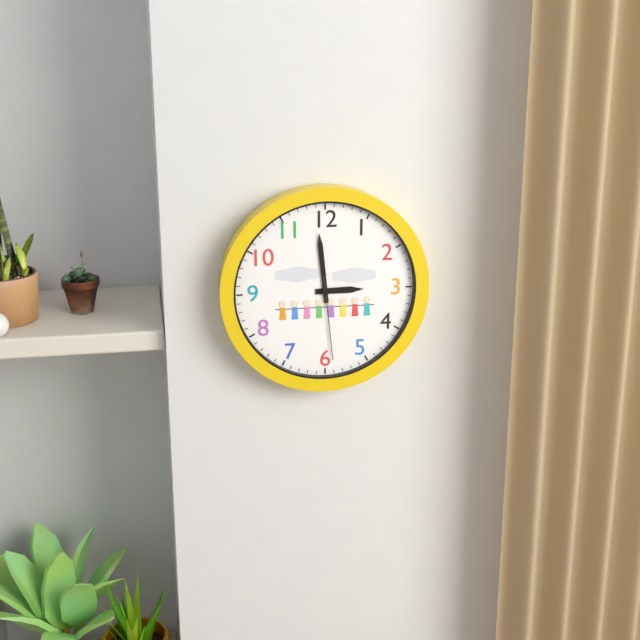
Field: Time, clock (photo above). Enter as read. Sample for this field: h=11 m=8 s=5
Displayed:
h=2 m=59 s=29
